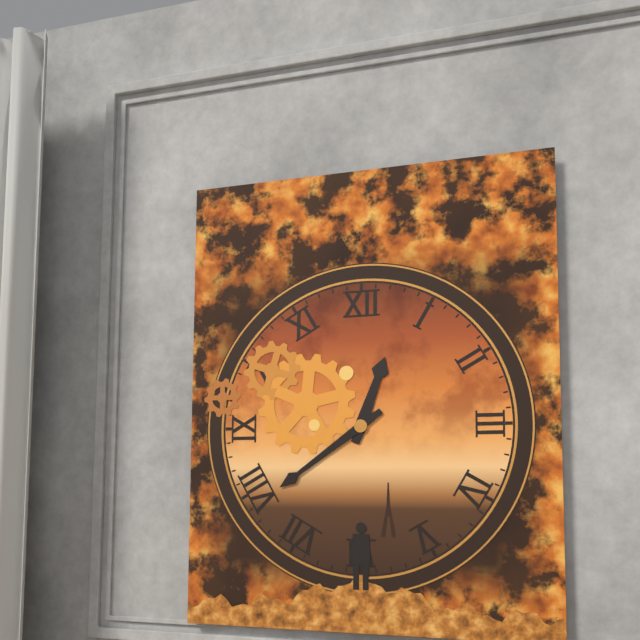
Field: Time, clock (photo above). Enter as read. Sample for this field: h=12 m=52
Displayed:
h=12 m=39
